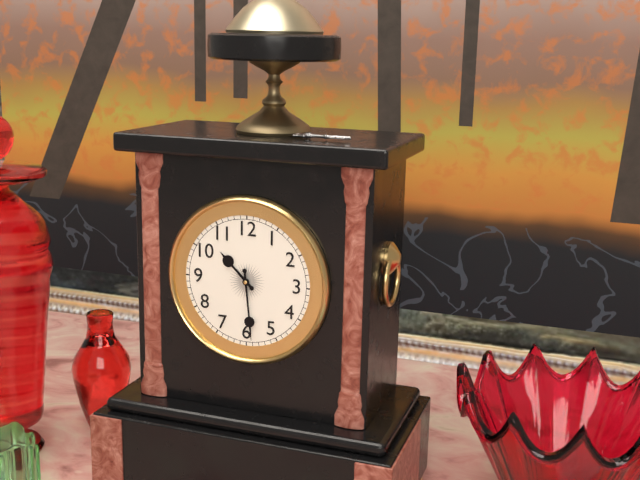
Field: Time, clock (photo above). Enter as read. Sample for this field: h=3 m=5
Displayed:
h=10 m=29
